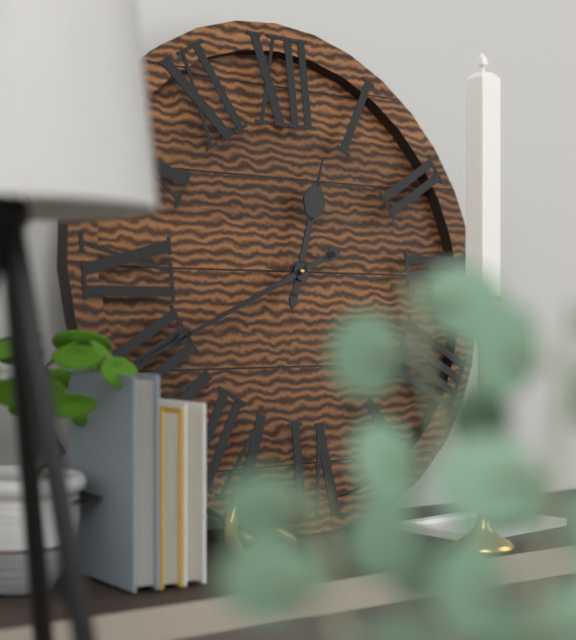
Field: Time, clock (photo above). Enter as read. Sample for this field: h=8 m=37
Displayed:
h=12 m=41
